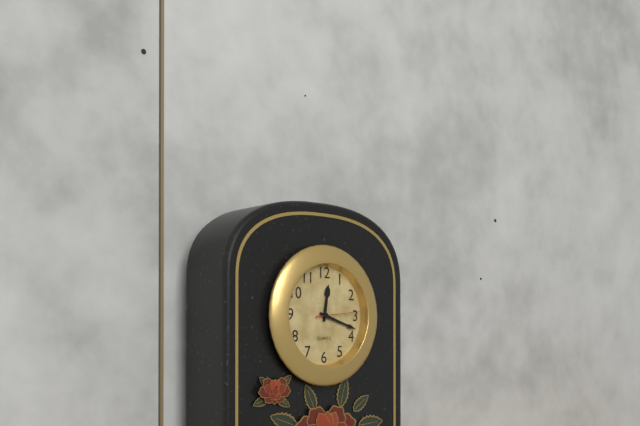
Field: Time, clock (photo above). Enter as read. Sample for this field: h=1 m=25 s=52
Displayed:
h=12 m=18 s=14
